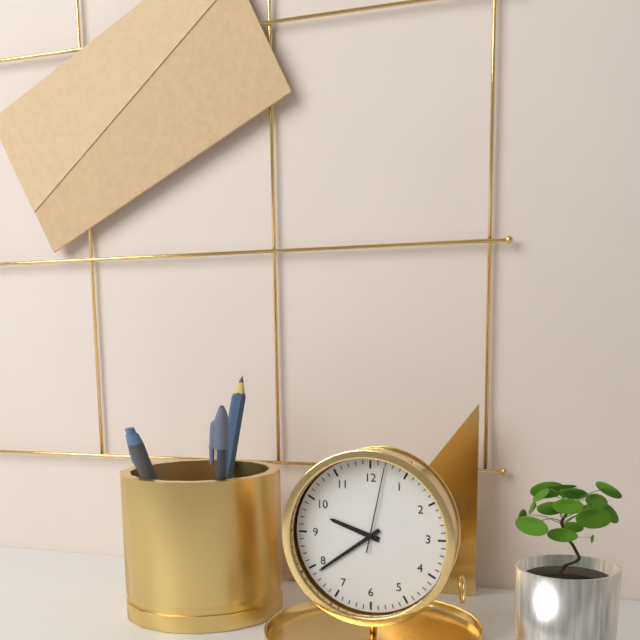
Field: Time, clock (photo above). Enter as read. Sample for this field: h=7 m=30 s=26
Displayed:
h=9 m=39 s=2
